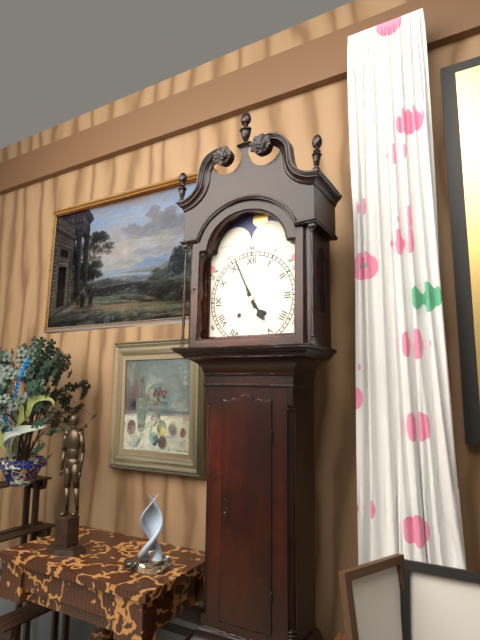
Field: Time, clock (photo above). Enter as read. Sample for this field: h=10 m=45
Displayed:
h=4 m=56
